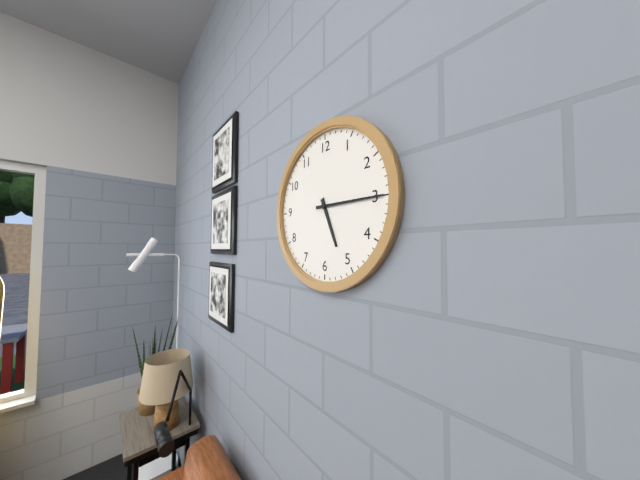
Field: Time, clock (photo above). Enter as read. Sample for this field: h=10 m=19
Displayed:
h=5 m=15
